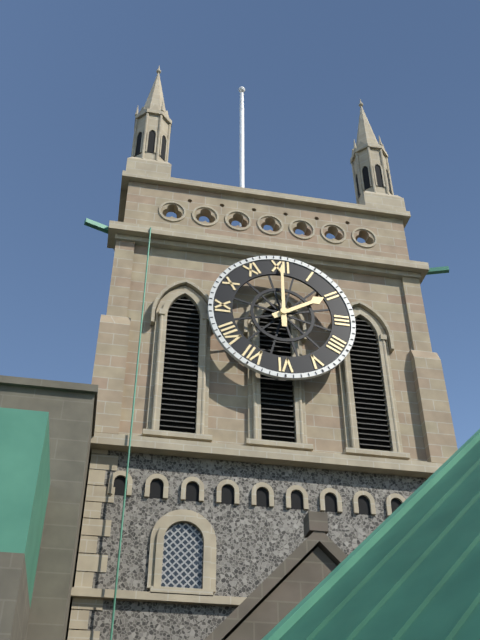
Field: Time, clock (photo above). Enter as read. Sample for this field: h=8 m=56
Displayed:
h=2 m=0
